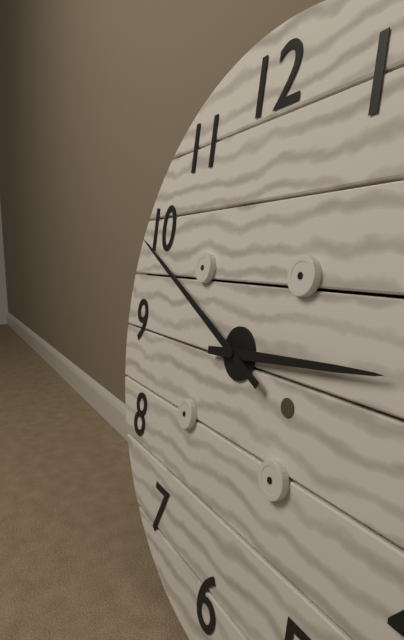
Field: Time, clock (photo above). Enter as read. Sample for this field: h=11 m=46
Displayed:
h=2 m=49
